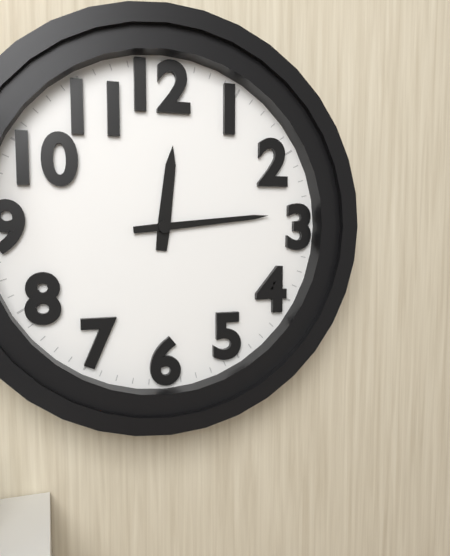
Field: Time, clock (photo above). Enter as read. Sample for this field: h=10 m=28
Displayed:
h=12 m=14
